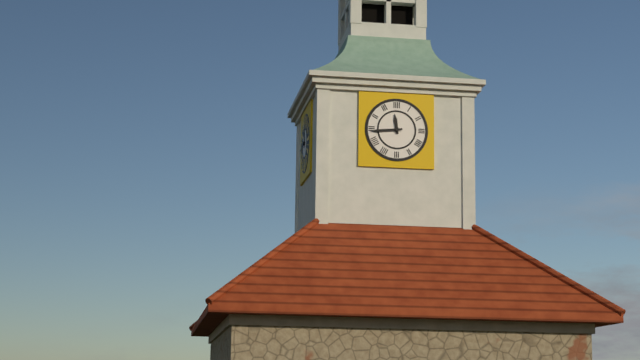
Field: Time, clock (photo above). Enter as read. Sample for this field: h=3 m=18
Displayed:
h=11 m=44
